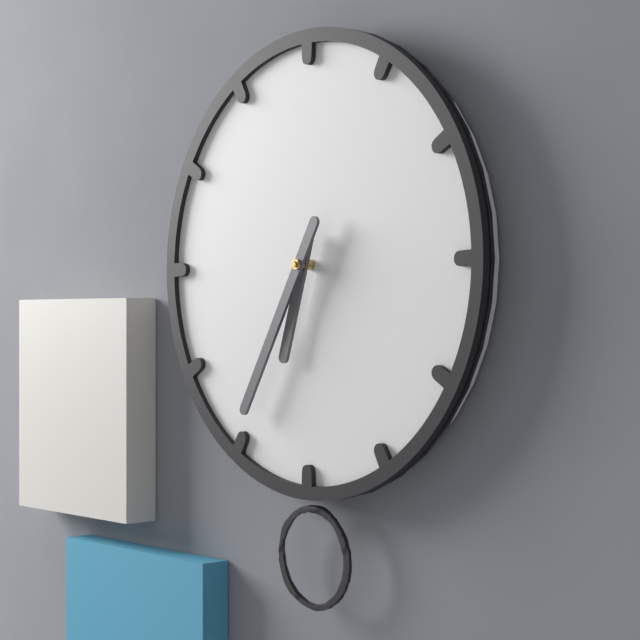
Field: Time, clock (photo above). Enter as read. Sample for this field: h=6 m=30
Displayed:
h=6 m=35
